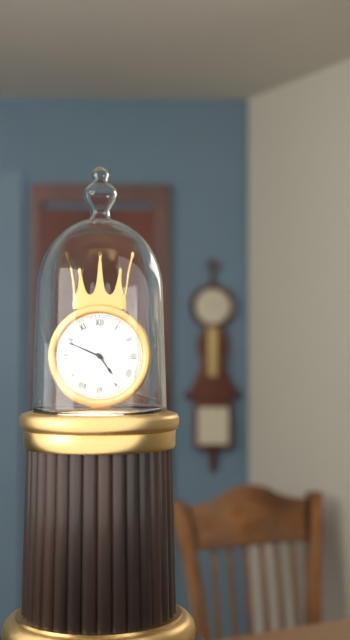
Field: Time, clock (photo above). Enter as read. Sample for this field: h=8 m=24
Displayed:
h=4 m=49
